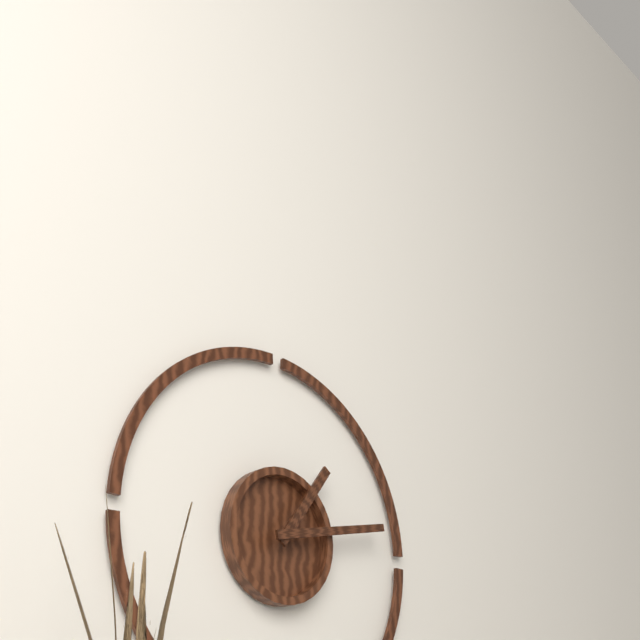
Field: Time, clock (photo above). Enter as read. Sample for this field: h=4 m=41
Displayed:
h=1 m=13
